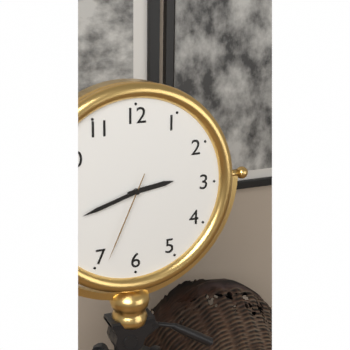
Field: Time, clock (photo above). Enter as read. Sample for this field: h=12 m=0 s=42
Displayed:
h=2 m=42 s=34
